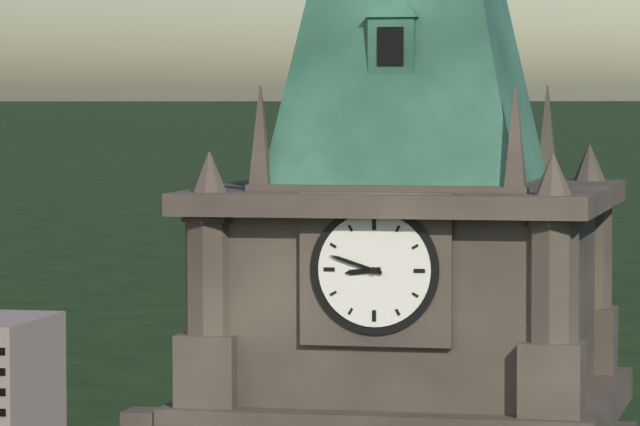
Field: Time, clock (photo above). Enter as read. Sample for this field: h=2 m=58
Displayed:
h=8 m=48
